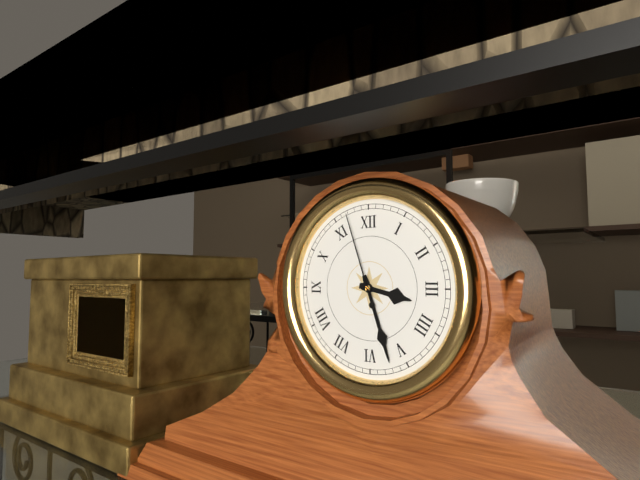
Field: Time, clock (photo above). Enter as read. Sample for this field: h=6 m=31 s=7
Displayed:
h=3 m=27 s=57
